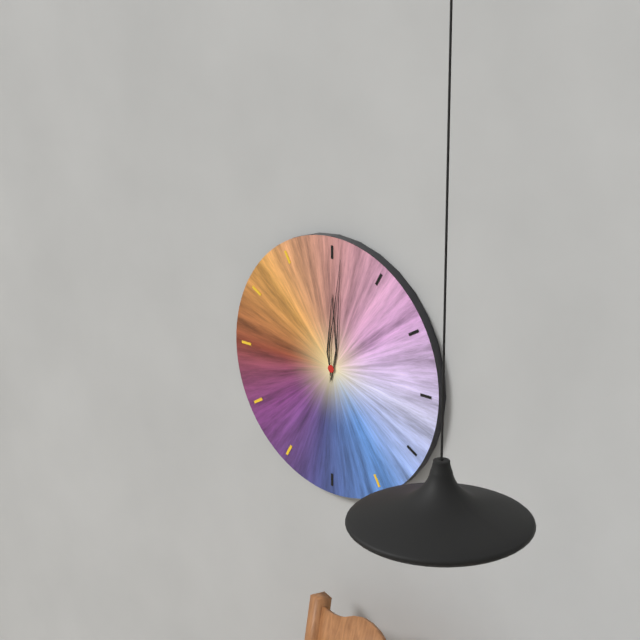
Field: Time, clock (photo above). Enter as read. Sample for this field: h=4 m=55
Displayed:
h=12 m=1
